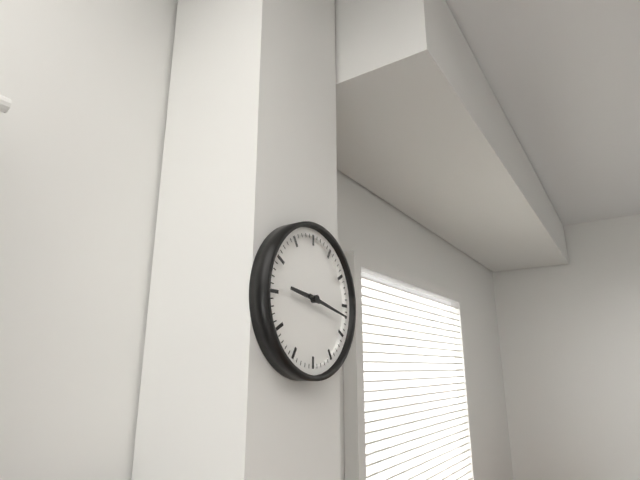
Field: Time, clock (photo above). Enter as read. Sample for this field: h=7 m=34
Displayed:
h=9 m=17
